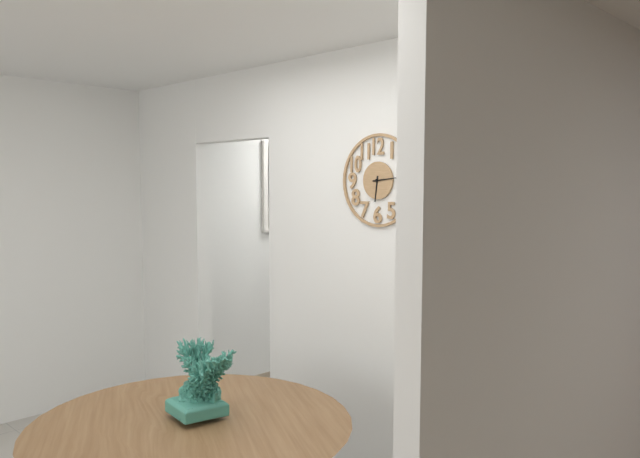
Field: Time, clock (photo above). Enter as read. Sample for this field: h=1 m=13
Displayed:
h=6 m=14
